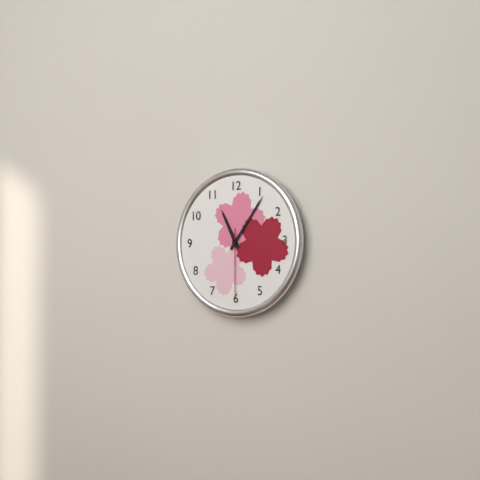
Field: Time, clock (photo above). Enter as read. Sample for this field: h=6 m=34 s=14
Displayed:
h=11 m=6 s=30
